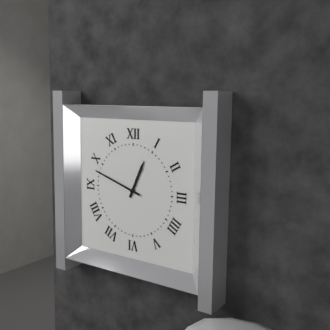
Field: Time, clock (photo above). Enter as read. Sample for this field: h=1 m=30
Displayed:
h=12 m=48
